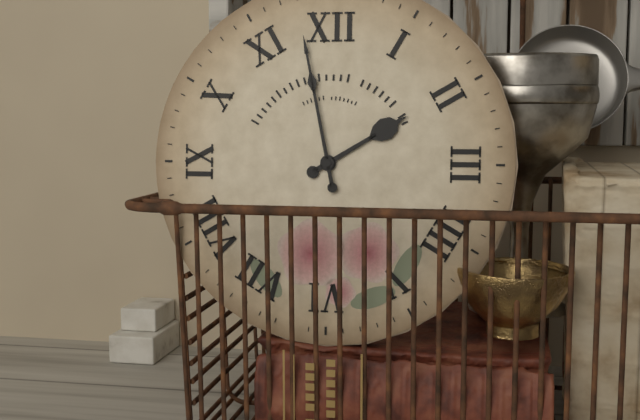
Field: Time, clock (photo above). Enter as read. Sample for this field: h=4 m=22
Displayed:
h=1 m=58
